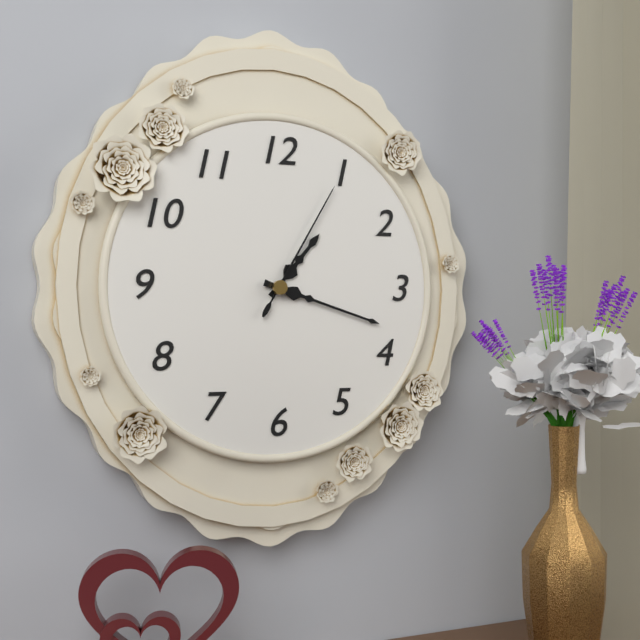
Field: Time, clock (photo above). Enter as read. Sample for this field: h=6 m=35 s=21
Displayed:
h=1 m=18 s=5
